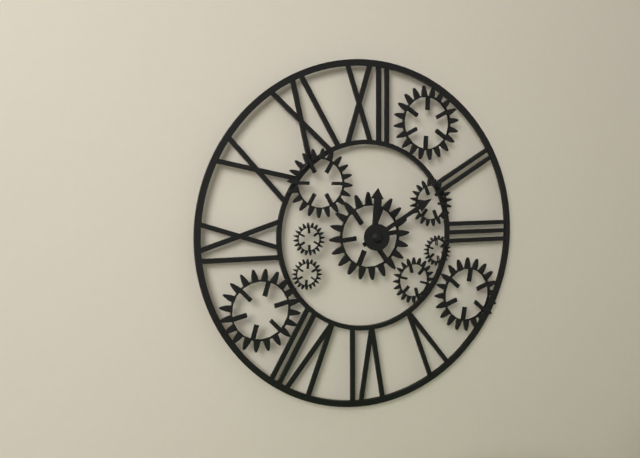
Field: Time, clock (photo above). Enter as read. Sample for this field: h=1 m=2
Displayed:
h=12 m=10
